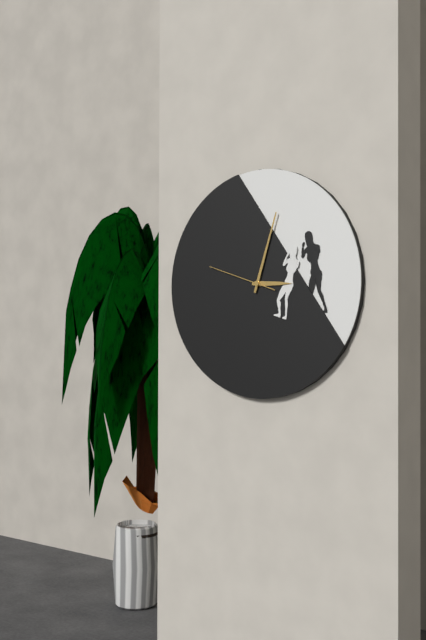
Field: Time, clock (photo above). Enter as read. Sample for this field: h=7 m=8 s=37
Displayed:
h=3 m=3 s=48
